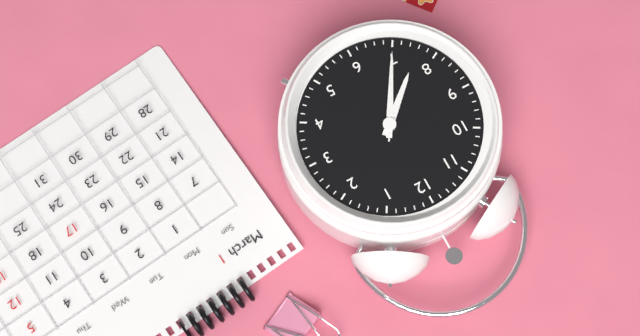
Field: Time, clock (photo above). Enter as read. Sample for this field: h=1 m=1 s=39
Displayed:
h=7 m=35 s=35
